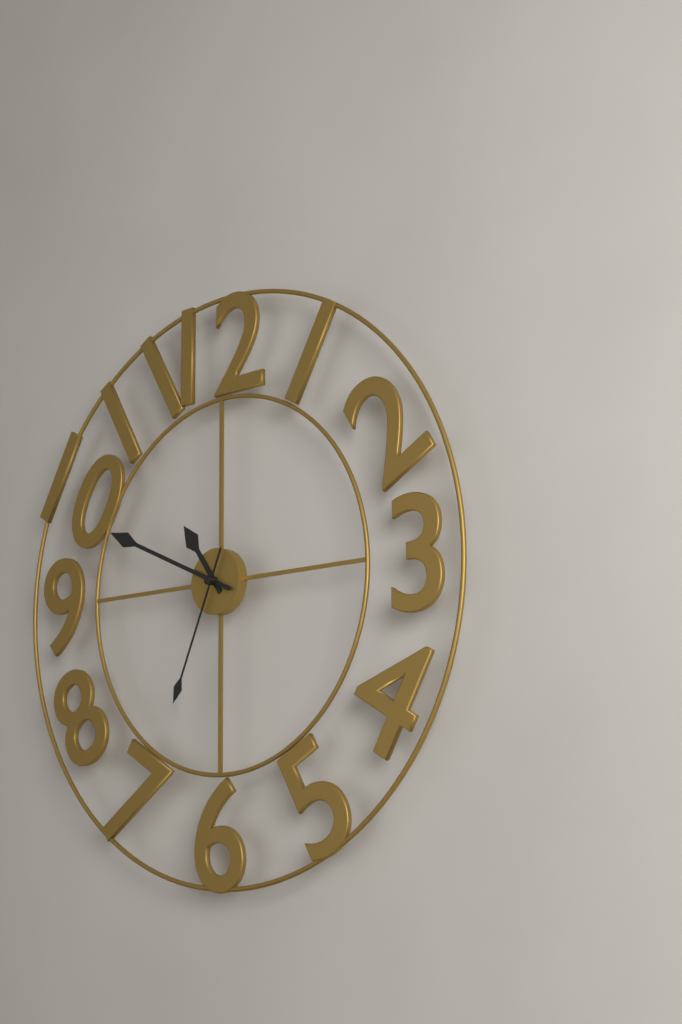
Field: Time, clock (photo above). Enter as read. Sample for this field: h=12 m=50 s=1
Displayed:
h=10 m=49 s=34
